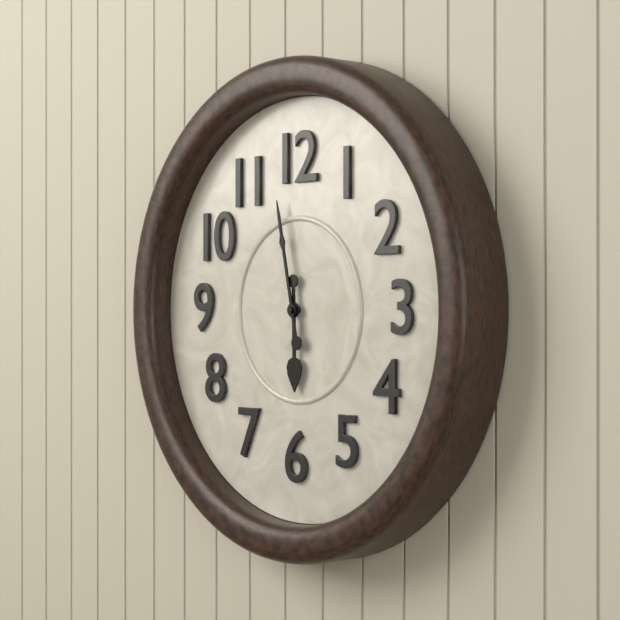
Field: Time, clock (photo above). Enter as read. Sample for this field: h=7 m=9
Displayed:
h=5 m=58
